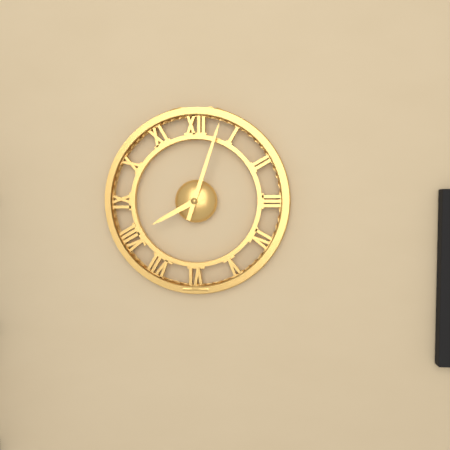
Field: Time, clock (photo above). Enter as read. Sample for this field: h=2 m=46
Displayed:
h=8 m=3
